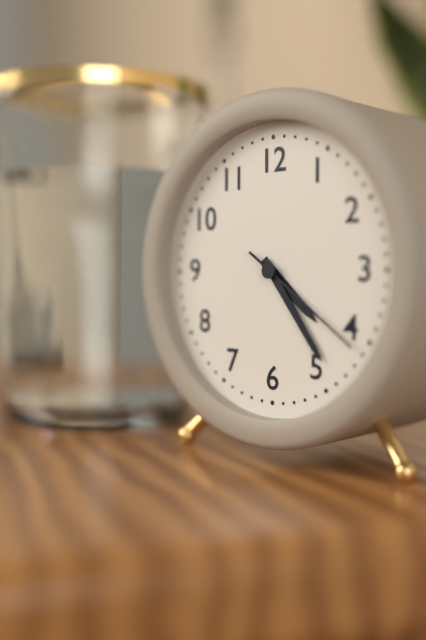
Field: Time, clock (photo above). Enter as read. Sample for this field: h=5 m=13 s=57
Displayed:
h=4 m=24 s=21
